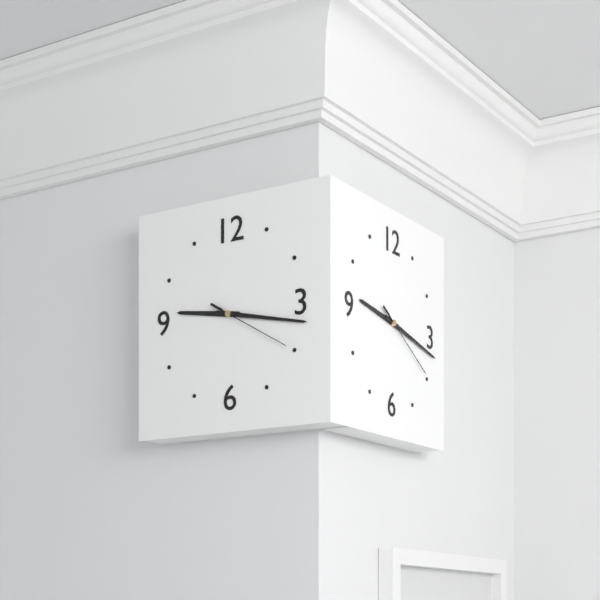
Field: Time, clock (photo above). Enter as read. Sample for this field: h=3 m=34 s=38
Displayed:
h=9 m=17 s=20
